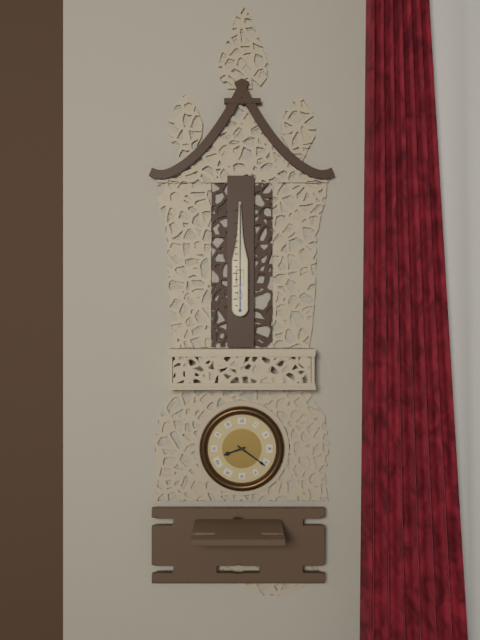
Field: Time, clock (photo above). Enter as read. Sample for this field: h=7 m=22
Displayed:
h=8 m=21
